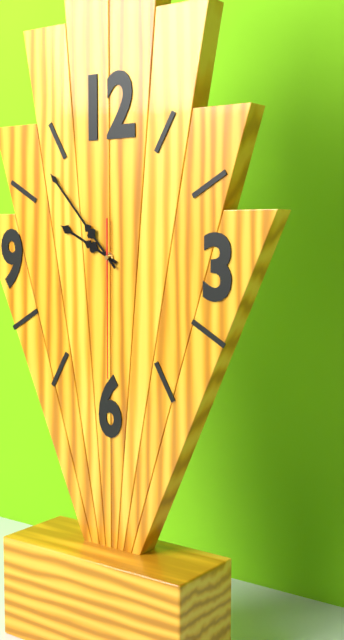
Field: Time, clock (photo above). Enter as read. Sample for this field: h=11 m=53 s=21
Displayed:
h=9 m=53 s=30
